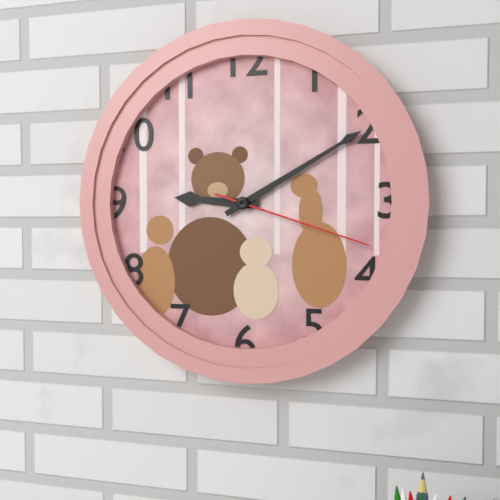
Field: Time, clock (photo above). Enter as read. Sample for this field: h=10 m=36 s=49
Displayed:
h=9 m=10 s=18
